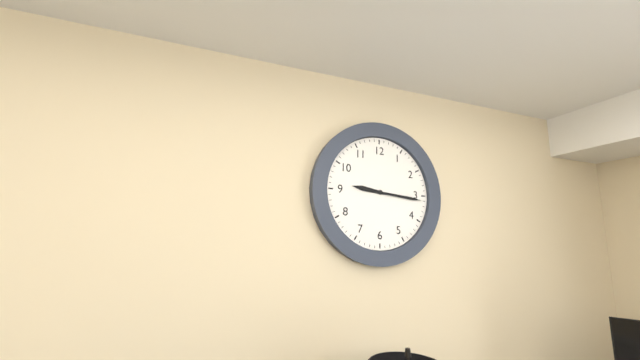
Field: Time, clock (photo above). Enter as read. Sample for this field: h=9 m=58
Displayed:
h=9 m=16
